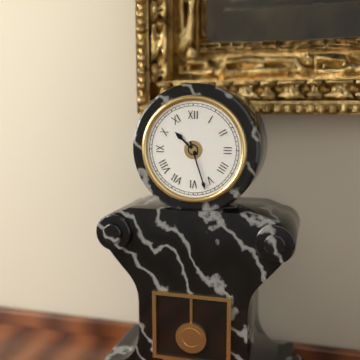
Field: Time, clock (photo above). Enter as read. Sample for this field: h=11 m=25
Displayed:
h=10 m=27
